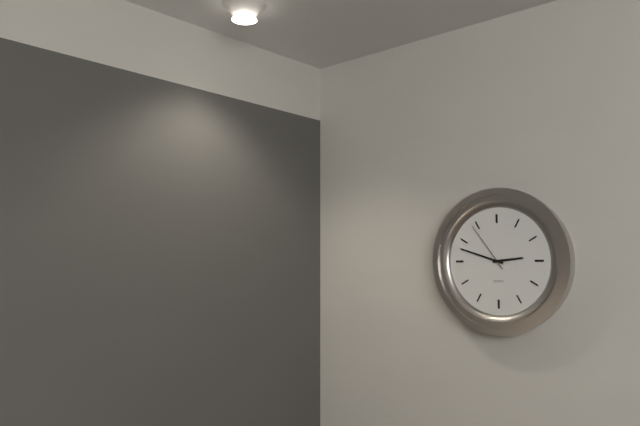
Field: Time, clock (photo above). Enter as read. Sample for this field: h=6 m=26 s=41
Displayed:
h=2 m=48 s=54
